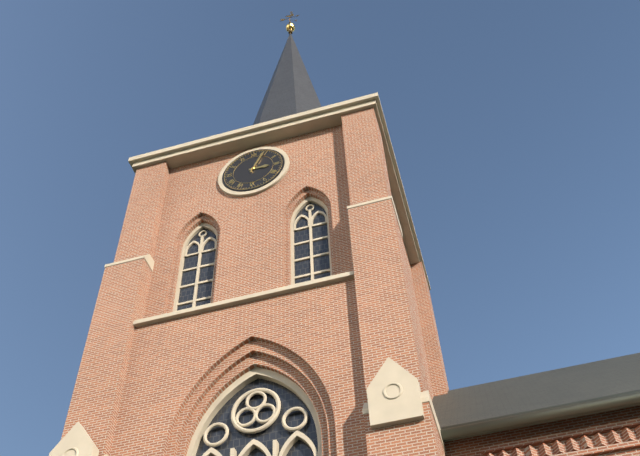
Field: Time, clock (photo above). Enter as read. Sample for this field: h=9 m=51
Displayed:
h=3 m=4
